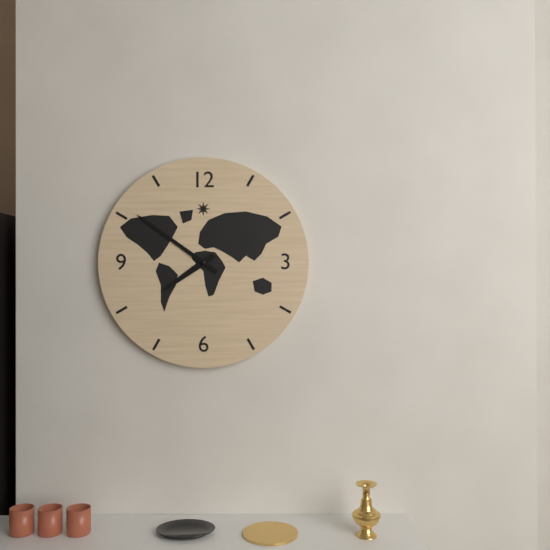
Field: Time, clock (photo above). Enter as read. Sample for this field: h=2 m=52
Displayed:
h=7 m=51
